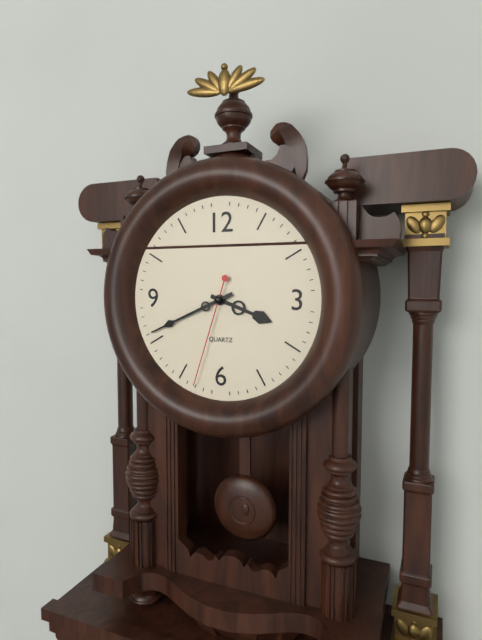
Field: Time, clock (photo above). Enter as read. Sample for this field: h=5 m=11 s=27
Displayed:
h=3 m=41 s=33
